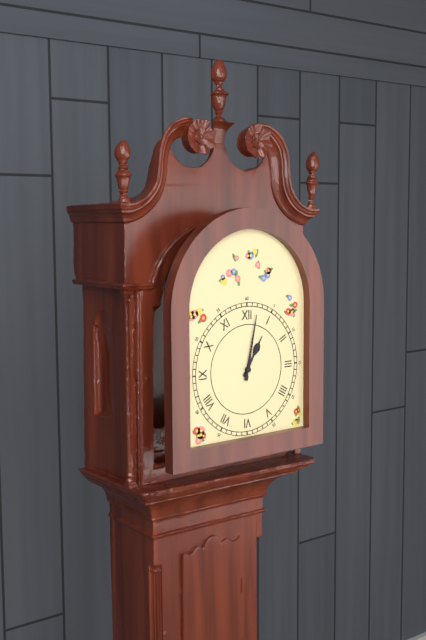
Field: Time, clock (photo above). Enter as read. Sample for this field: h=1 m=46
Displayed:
h=1 m=2
